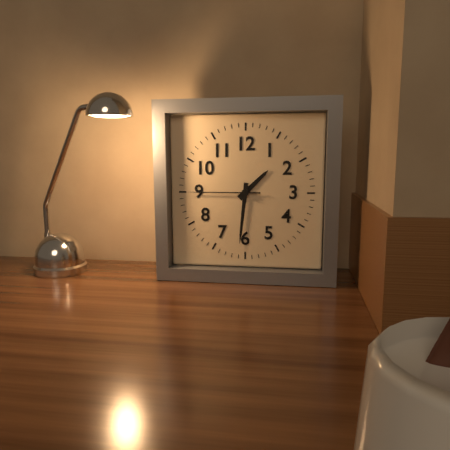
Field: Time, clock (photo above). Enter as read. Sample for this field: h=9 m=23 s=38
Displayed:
h=1 m=31 s=45
